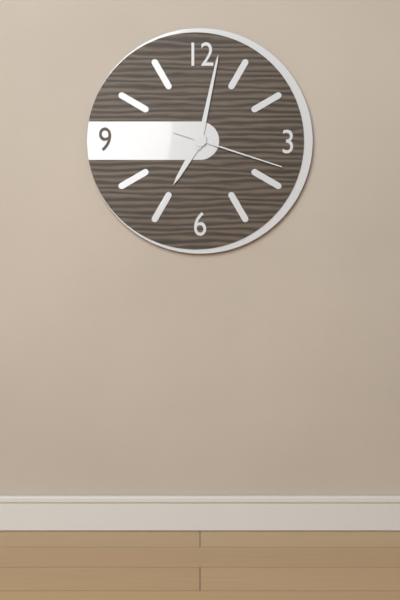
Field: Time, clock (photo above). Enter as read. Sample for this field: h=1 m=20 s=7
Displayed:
h=7 m=2 s=18
